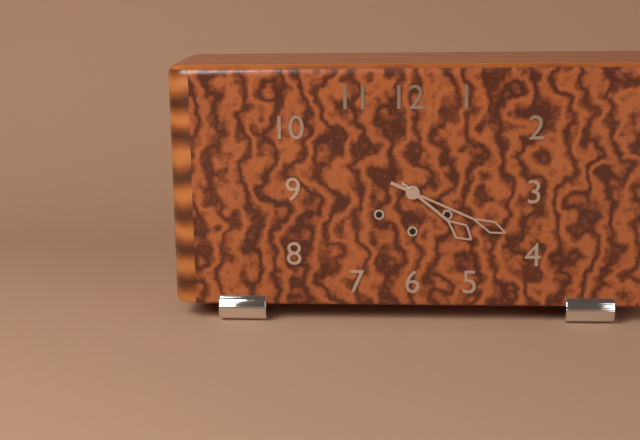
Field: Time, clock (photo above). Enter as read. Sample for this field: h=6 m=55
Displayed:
h=4 m=19
